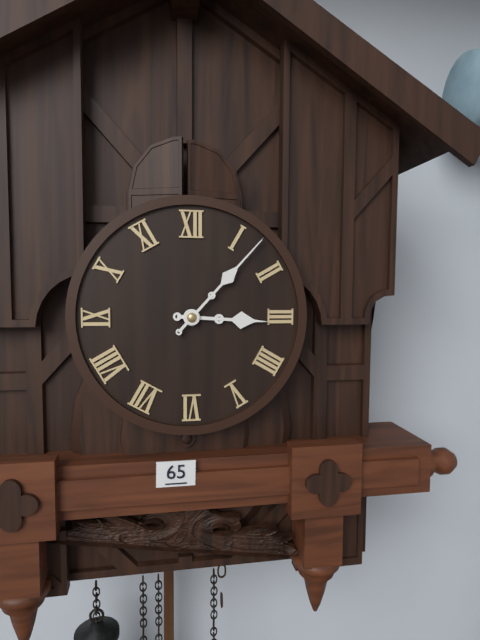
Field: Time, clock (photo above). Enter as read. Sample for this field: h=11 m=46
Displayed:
h=3 m=7
